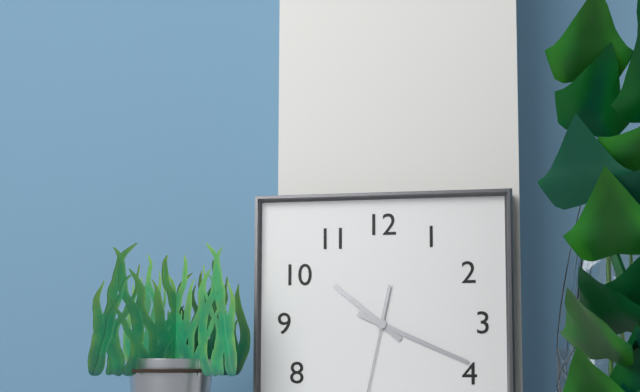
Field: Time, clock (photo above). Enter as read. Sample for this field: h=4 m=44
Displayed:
h=10 m=19
